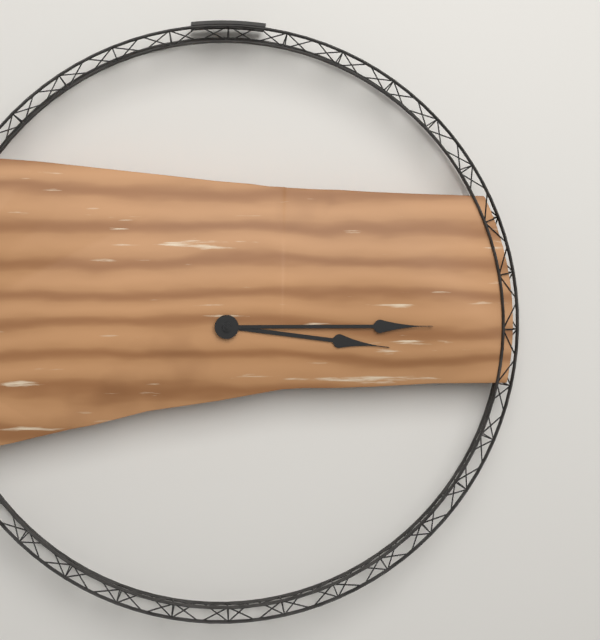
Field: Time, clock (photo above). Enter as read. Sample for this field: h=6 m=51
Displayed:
h=3 m=15
